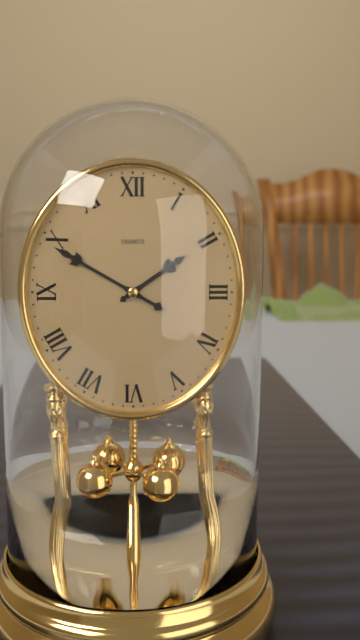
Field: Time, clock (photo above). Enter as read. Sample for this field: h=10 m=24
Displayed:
h=1 m=50
